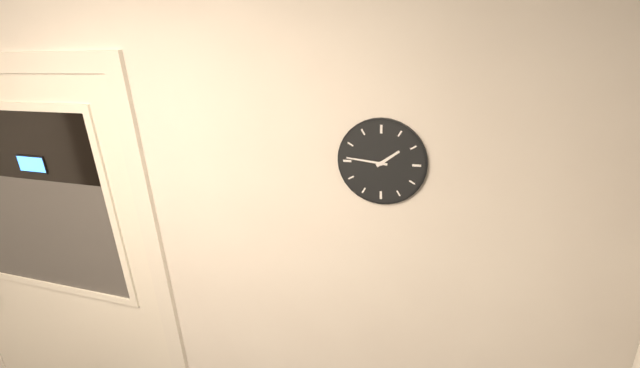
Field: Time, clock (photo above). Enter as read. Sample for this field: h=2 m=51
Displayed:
h=1 m=46
